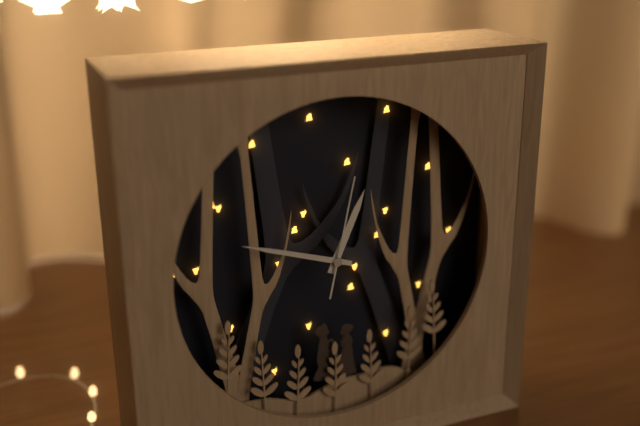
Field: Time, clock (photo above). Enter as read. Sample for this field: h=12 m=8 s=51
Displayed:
h=12 m=48 s=2
